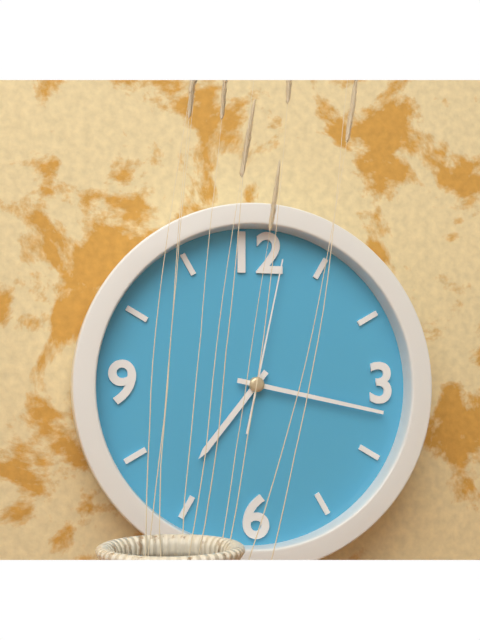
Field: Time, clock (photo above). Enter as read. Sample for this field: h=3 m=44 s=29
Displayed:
h=7 m=17 s=2
